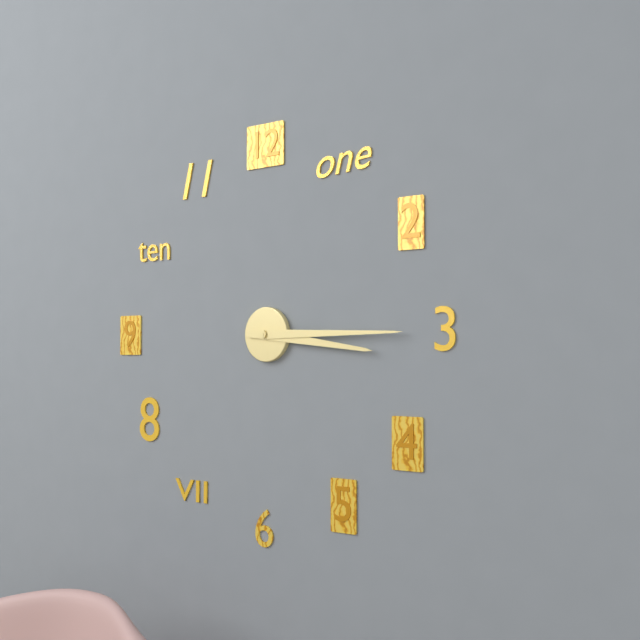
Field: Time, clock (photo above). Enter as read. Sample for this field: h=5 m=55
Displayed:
h=3 m=15
